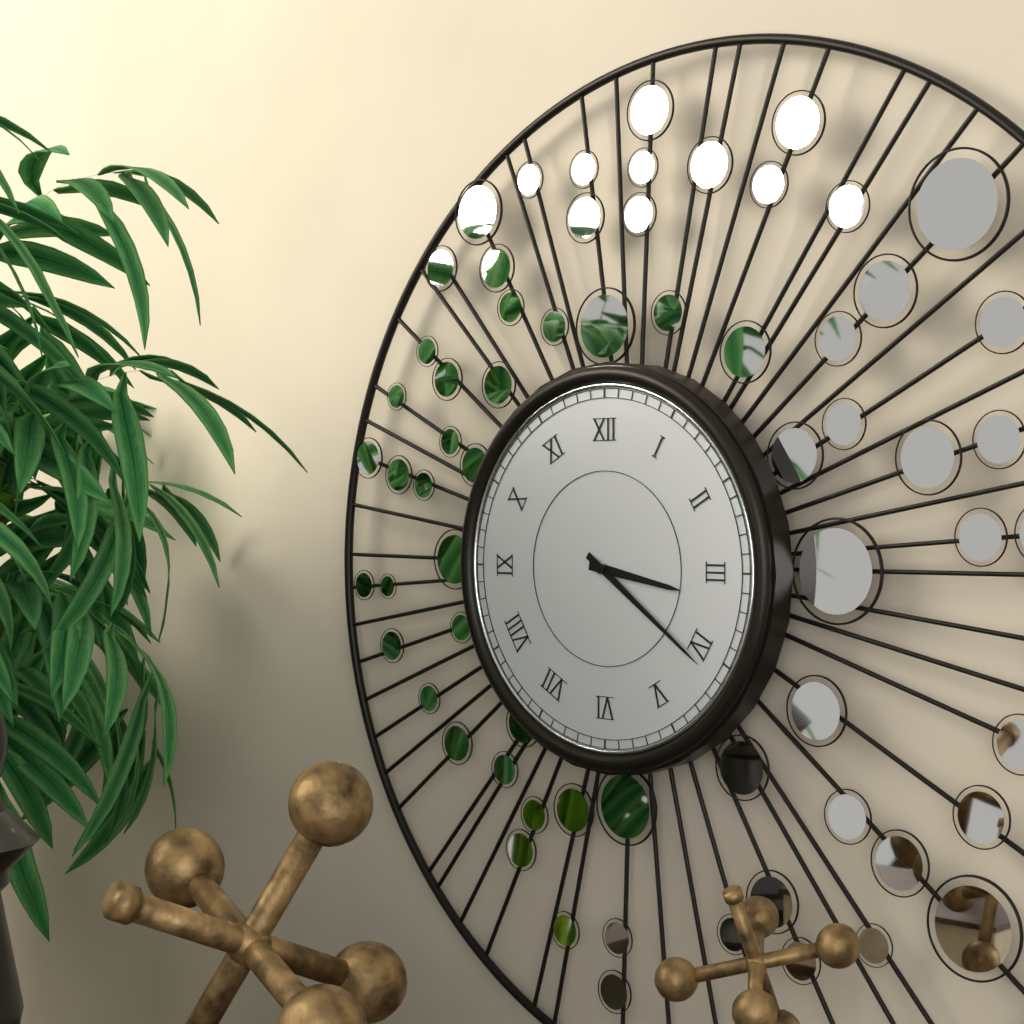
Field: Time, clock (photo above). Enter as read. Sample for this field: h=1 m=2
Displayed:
h=3 m=21
